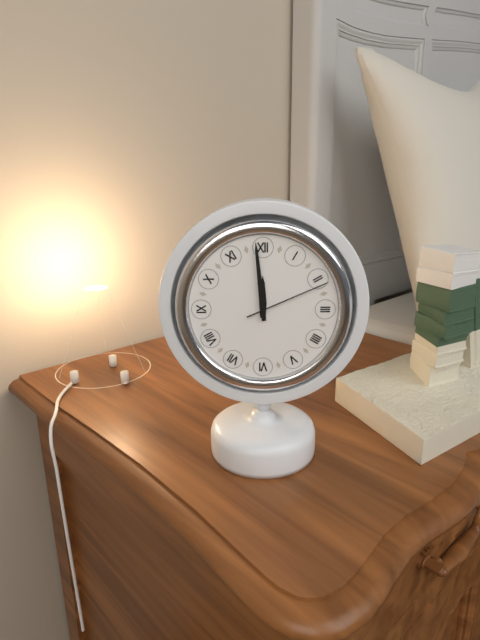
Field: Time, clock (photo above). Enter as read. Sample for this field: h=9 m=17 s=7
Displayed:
h=11 m=59 s=11
